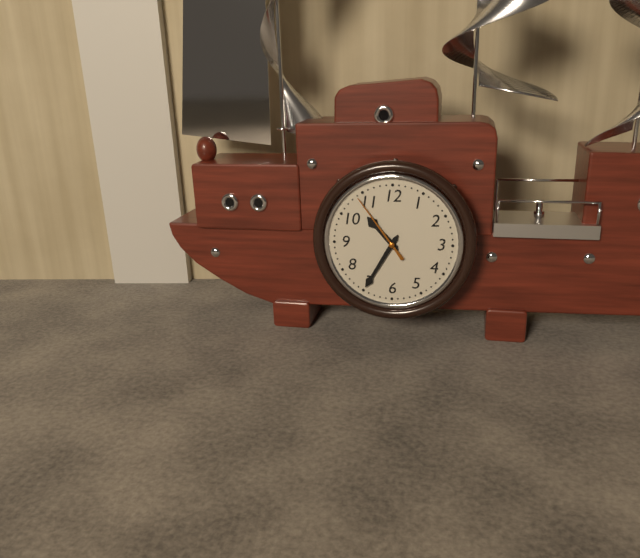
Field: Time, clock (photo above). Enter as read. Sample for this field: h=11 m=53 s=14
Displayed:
h=10 m=35 s=54
